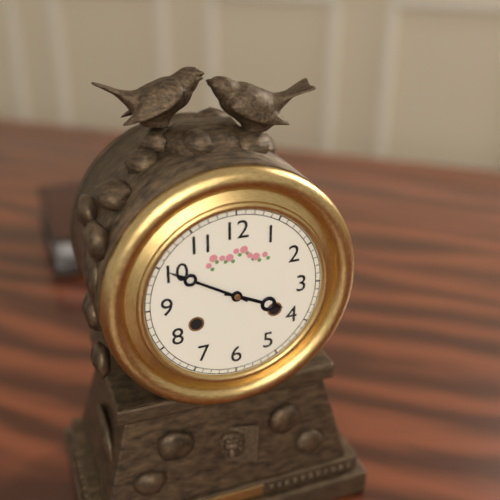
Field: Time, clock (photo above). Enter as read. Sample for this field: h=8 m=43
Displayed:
h=3 m=50
